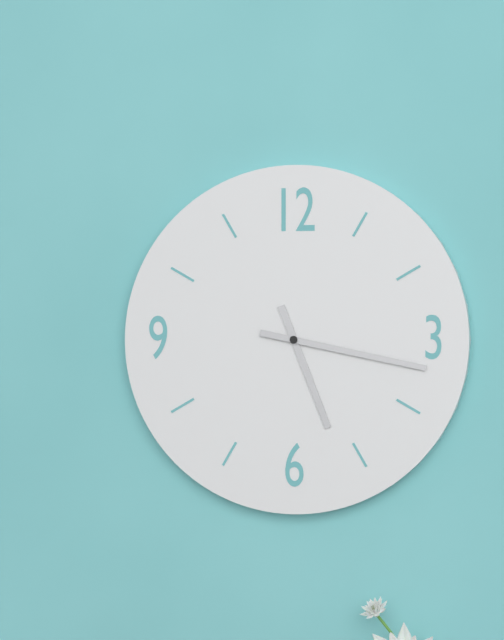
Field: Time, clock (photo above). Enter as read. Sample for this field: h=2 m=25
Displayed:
h=5 m=17
